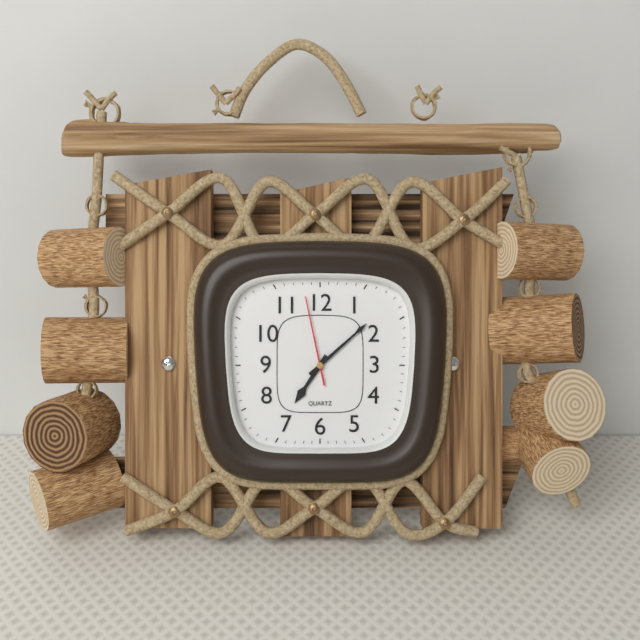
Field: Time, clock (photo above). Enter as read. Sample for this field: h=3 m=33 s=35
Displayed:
h=7 m=8 s=58
